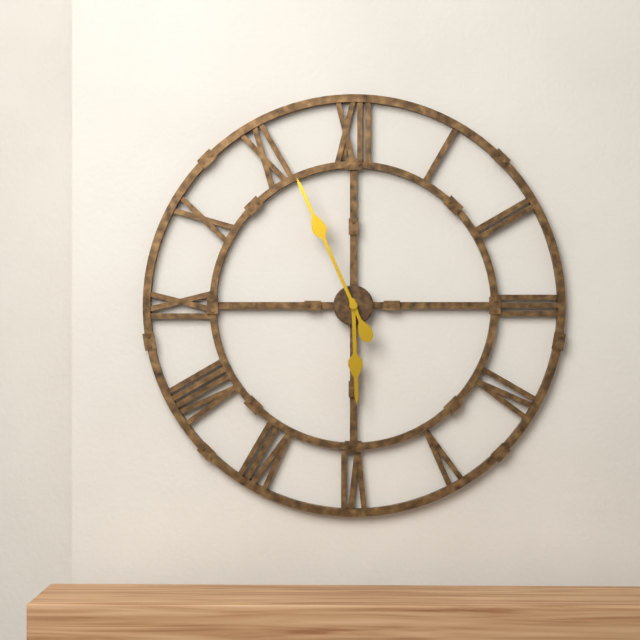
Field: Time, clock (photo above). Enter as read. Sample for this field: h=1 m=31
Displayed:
h=5 m=56
